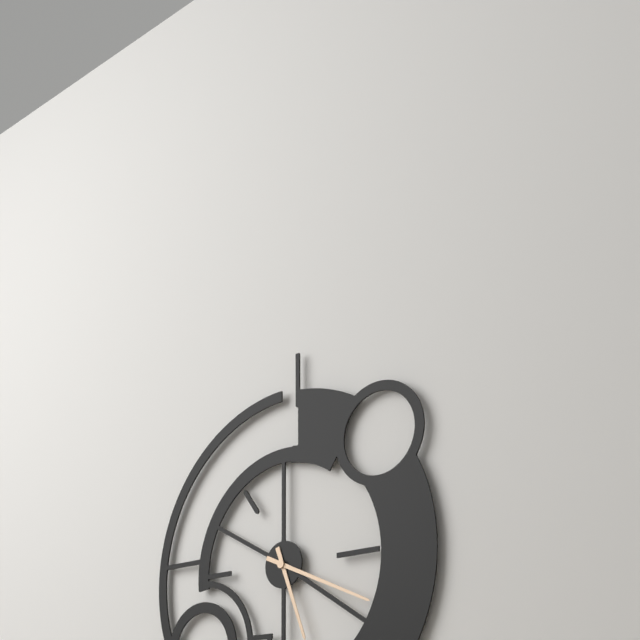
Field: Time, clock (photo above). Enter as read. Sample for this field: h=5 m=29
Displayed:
h=5 m=19
